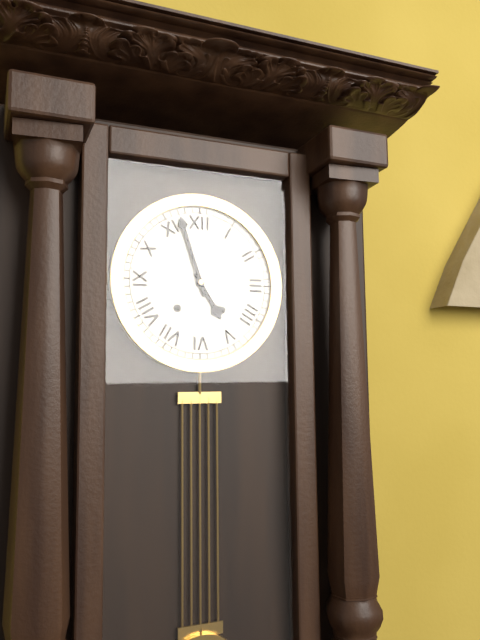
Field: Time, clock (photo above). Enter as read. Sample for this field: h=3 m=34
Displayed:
h=4 m=57
